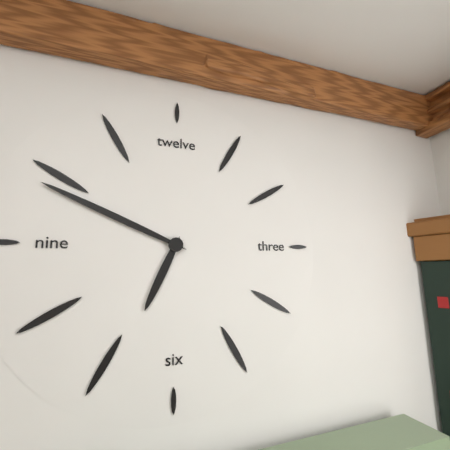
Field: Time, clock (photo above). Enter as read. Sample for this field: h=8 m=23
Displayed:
h=6 m=49
